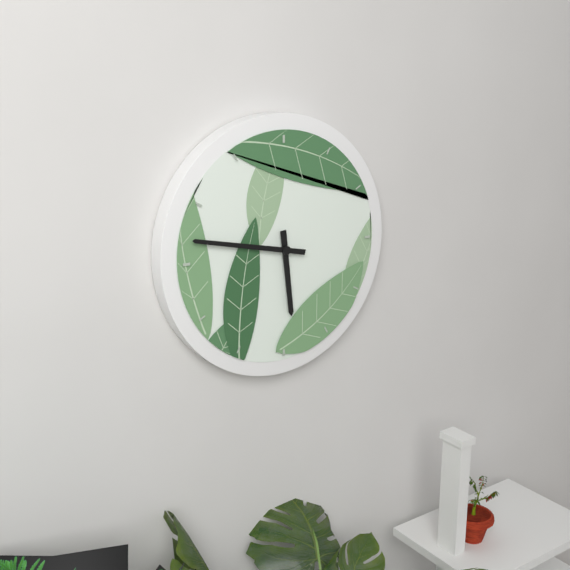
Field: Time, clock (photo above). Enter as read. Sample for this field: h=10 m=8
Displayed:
h=5 m=47
